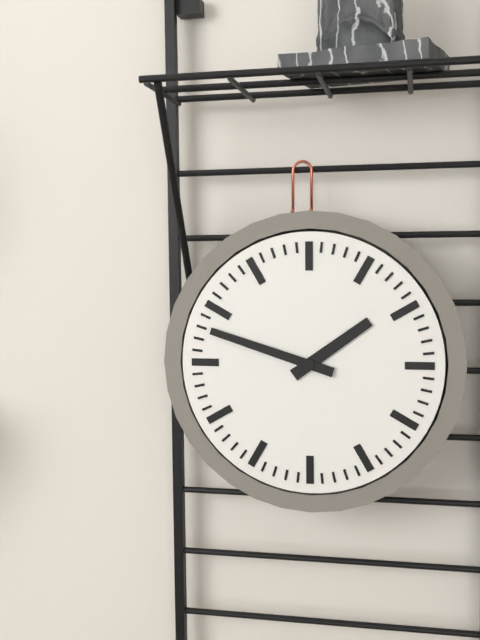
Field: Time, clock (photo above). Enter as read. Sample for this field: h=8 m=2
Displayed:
h=1 m=48
